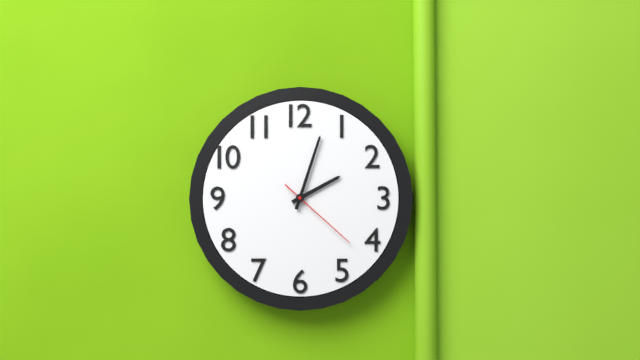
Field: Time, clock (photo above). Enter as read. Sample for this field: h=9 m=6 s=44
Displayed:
h=2 m=3 s=22
